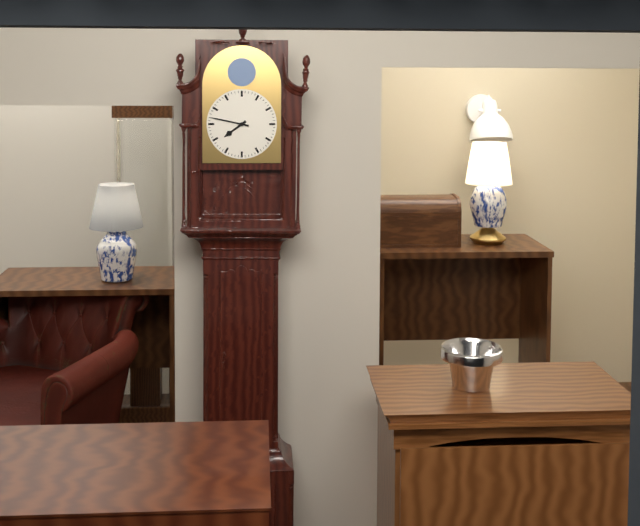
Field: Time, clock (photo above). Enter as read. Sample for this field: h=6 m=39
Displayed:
h=7 m=47
